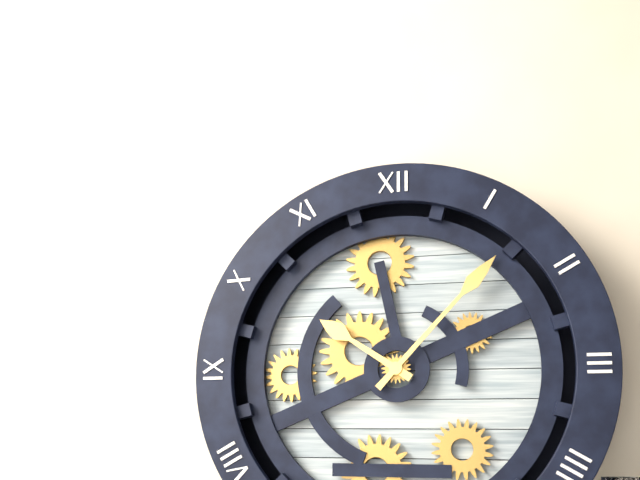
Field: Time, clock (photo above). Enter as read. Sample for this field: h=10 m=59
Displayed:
h=10 m=7
